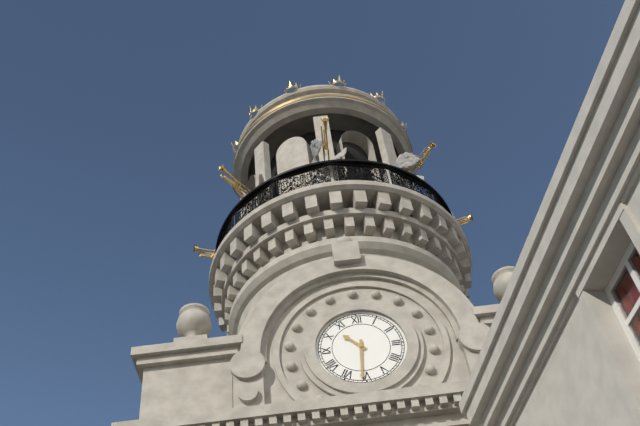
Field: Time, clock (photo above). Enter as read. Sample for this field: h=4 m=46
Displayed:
h=10 m=31
